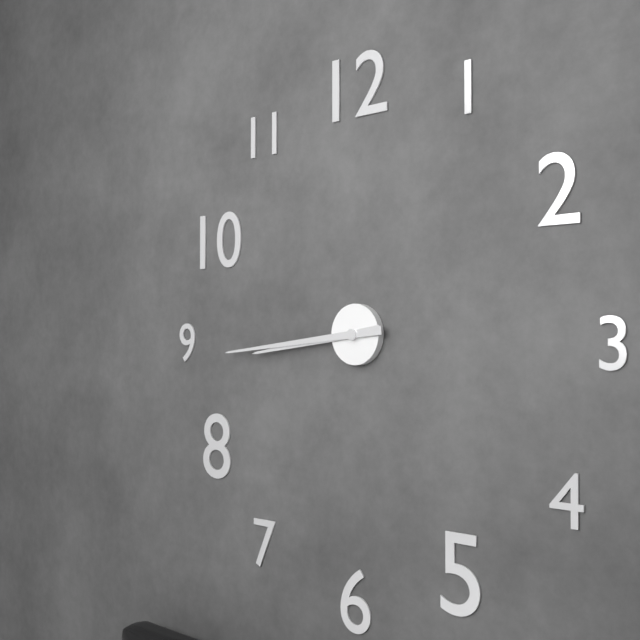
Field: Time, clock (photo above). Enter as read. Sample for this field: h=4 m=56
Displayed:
h=8 m=44
